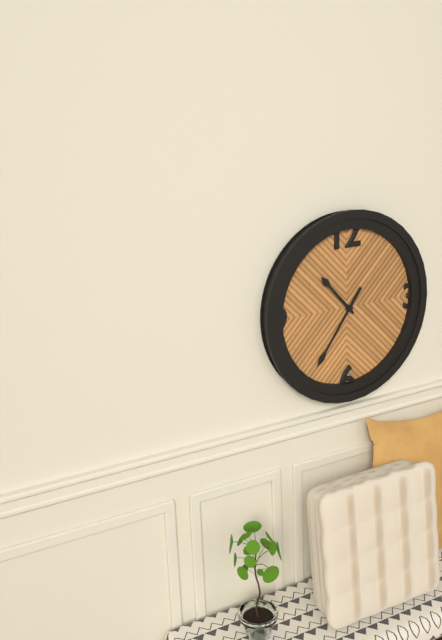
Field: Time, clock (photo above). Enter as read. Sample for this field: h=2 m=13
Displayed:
h=10 m=36
